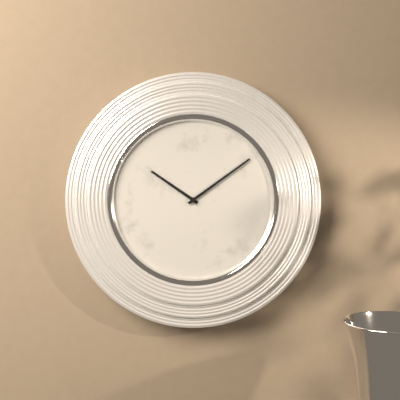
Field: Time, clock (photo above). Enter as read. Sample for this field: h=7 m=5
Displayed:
h=10 m=9
